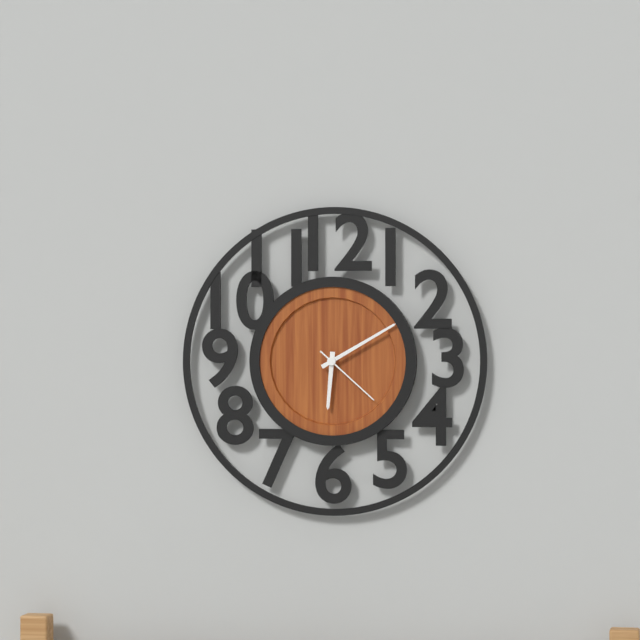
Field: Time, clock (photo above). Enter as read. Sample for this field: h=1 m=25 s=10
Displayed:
h=6 m=10 s=22
